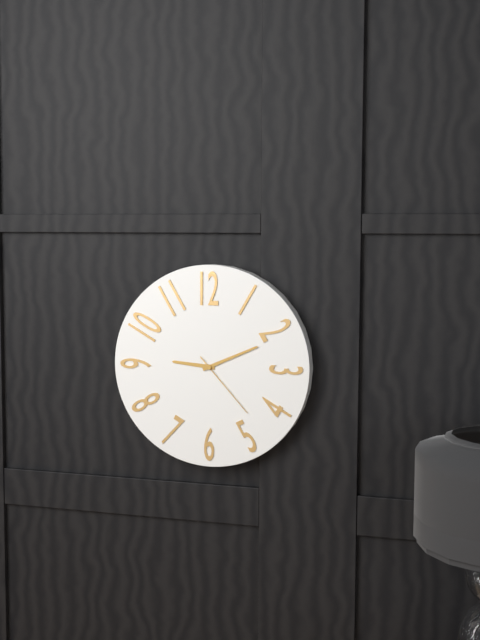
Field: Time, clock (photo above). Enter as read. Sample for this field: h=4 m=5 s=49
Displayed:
h=9 m=11 s=23
